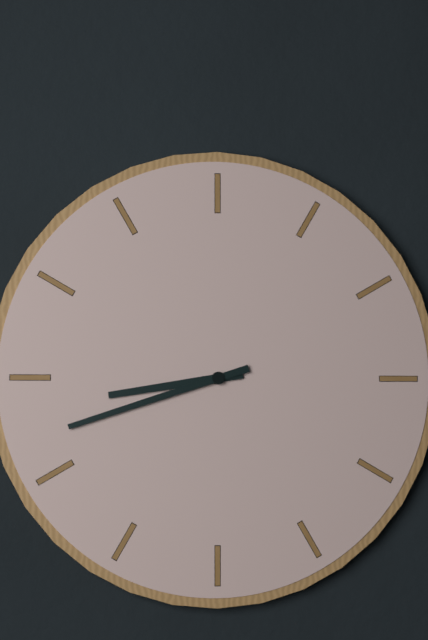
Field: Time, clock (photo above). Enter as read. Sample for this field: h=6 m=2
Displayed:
h=8 m=42
